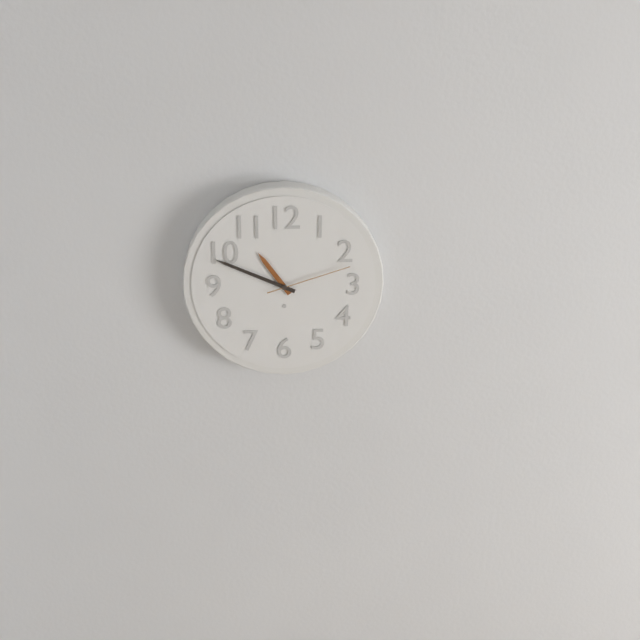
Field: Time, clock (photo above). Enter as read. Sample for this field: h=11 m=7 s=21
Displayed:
h=10 m=49 s=12
